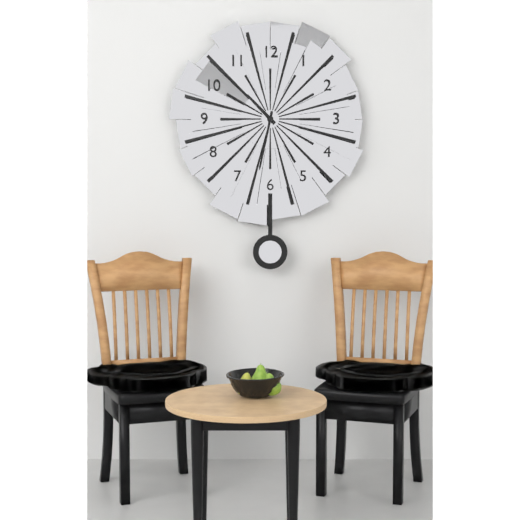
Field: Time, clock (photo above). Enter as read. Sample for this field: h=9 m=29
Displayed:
h=10 m=32
